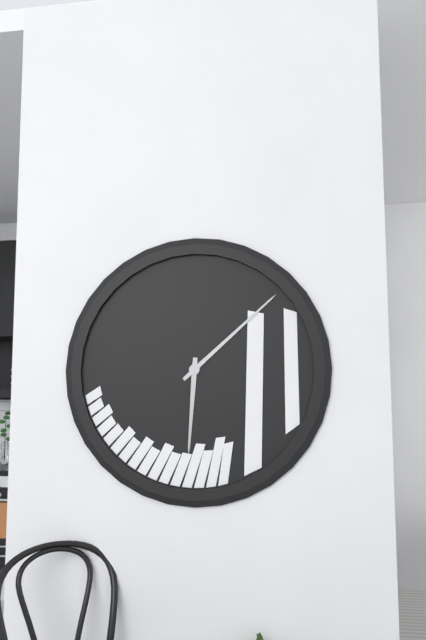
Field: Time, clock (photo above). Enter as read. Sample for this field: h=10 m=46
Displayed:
h=6 m=8
